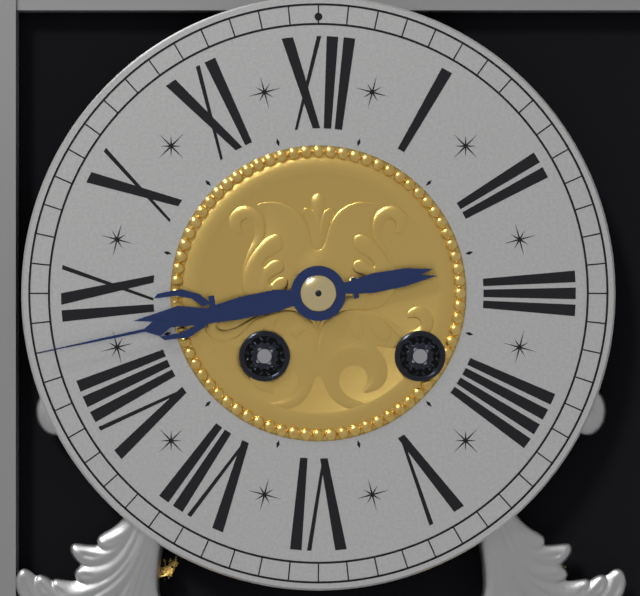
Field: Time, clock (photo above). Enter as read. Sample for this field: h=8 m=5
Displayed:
h=8 m=43
